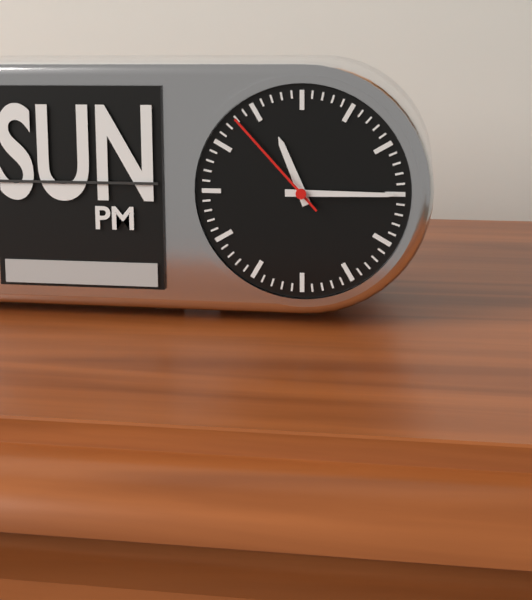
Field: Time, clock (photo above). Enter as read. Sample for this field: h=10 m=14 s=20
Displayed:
h=11 m=15 s=53
